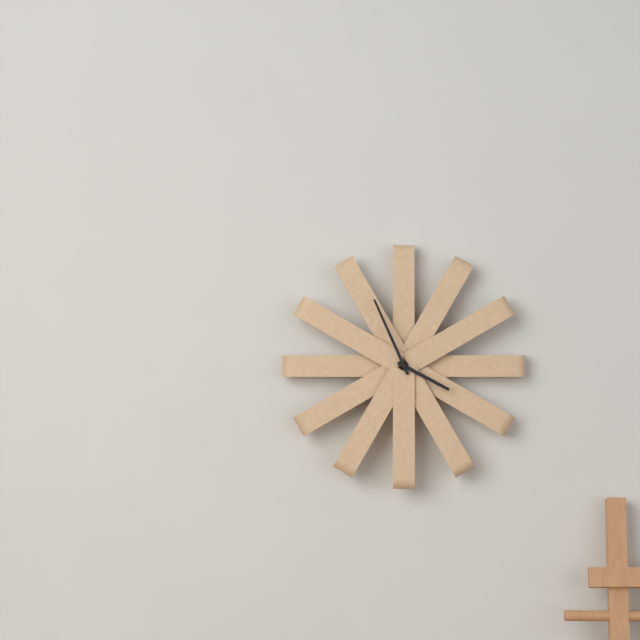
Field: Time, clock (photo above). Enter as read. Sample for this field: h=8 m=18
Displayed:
h=3 m=56
